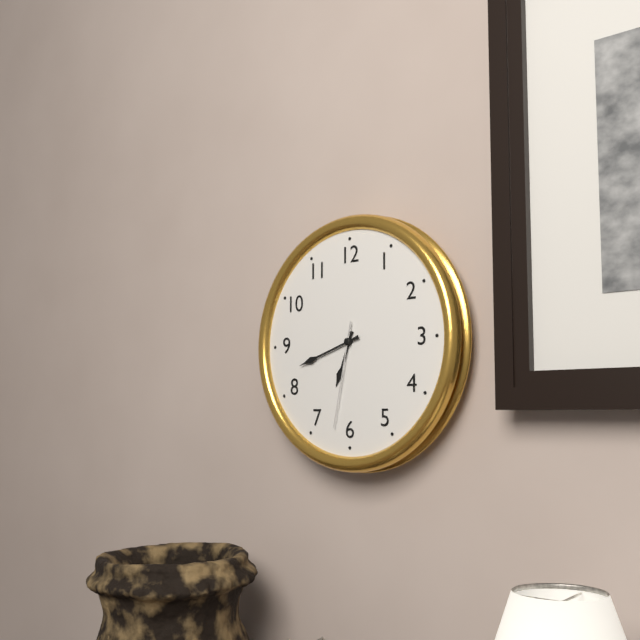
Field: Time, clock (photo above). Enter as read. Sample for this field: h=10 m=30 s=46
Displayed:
h=6 m=42 s=32
